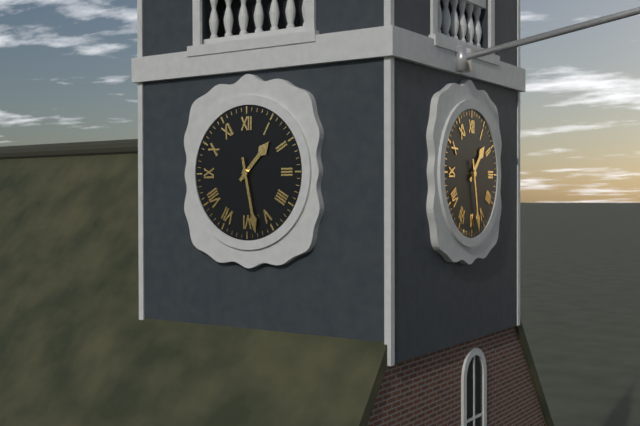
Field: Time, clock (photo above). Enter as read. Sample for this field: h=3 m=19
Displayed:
h=1 m=28
